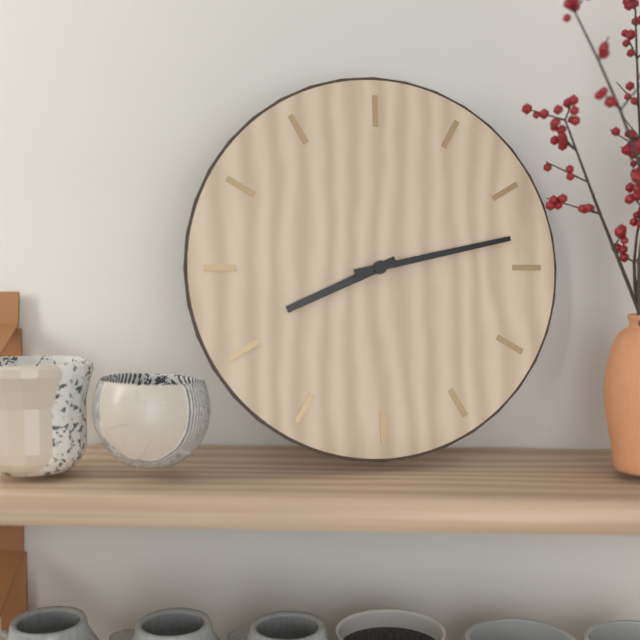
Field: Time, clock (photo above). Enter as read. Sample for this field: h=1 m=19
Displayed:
h=8 m=13
